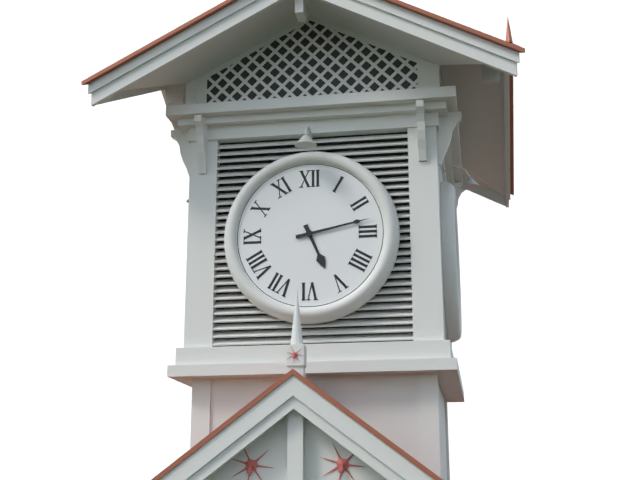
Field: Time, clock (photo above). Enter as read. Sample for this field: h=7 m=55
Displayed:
h=5 m=13
